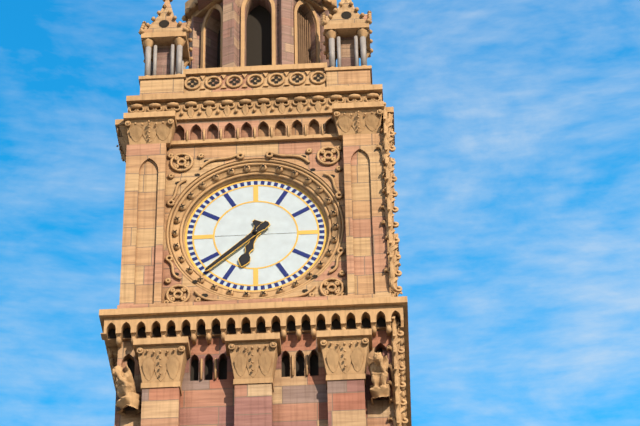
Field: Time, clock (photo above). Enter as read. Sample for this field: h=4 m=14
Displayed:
h=6 m=38
